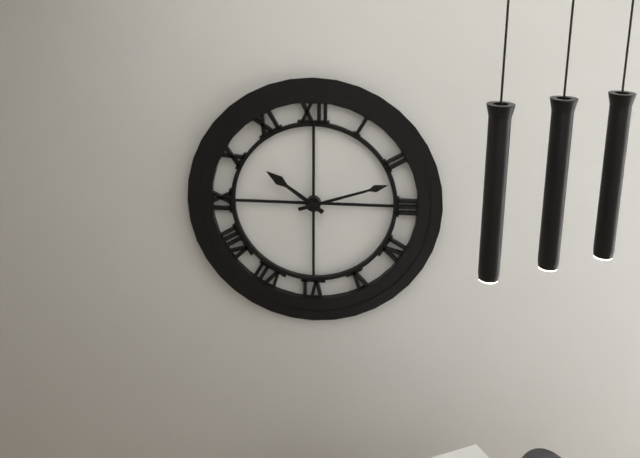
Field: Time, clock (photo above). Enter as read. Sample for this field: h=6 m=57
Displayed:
h=10 m=12
